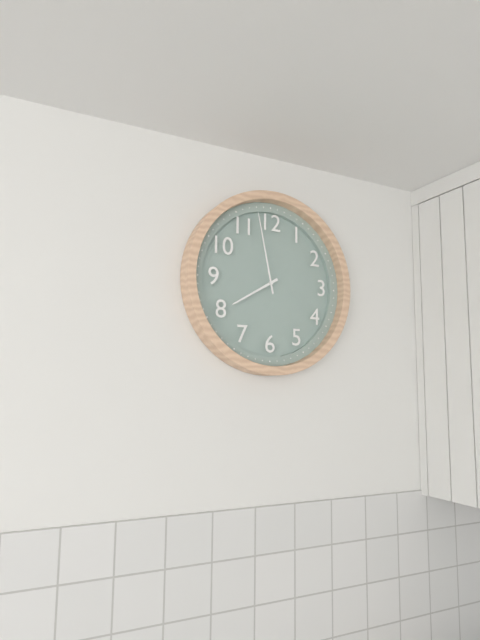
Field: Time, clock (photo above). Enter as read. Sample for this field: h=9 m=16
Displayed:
h=7 m=58
